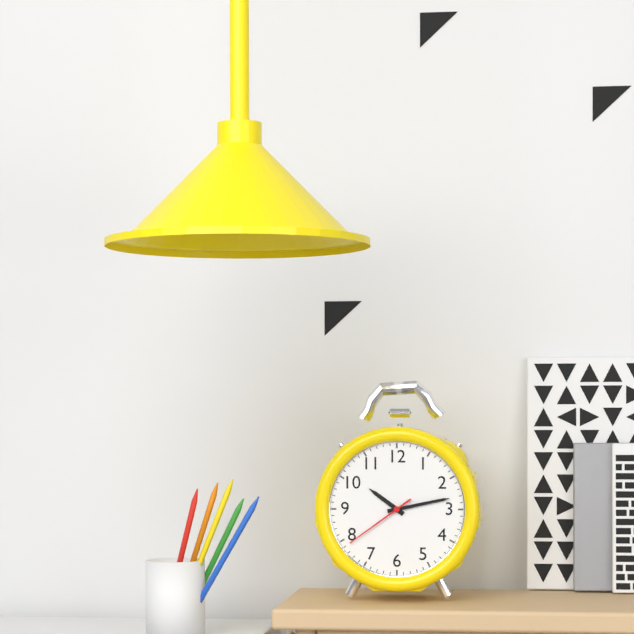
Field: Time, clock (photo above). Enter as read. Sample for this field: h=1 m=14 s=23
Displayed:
h=10 m=13 s=39
